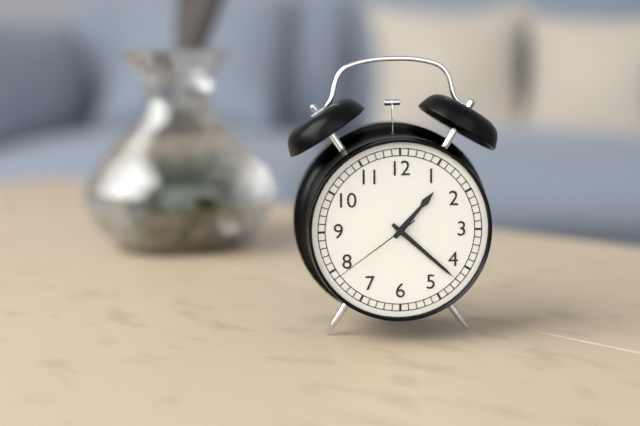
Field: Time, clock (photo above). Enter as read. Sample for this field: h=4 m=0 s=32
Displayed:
h=1 m=22 s=39
